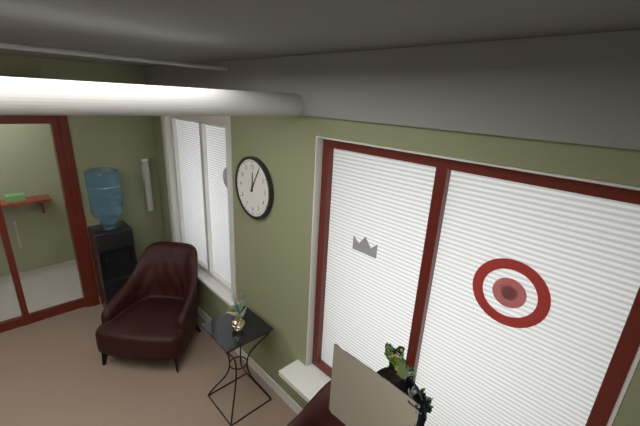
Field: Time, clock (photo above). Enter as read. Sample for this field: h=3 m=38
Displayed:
h=12 m=5
